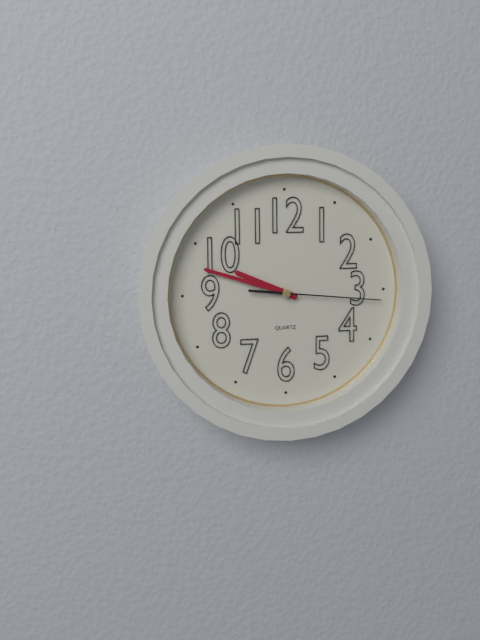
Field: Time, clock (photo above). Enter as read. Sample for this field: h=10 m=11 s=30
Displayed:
h=9 m=48 s=16
